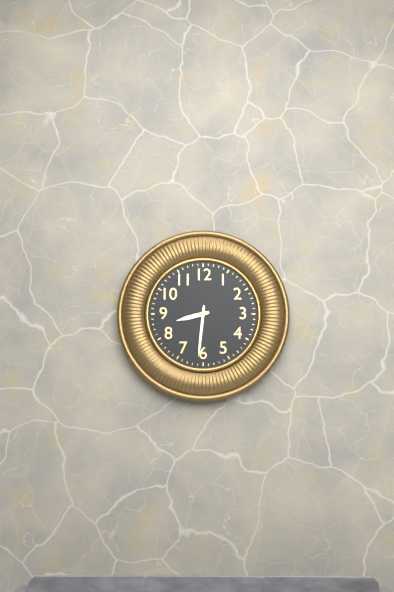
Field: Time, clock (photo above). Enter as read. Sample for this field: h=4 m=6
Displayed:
h=8 m=31
